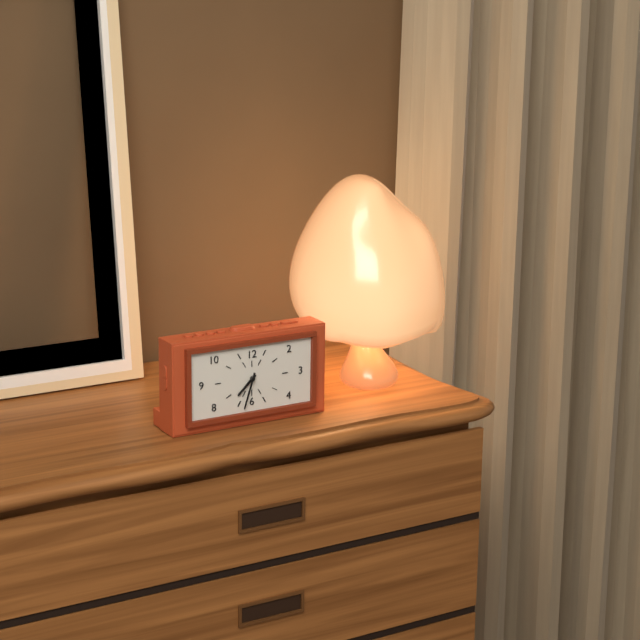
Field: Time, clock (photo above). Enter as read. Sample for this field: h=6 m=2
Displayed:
h=7 m=33
